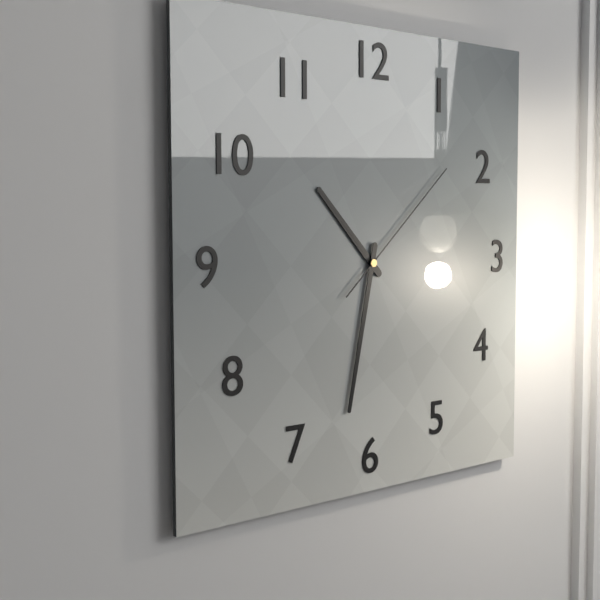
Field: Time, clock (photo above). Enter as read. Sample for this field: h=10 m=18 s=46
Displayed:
h=10 m=32 s=8
